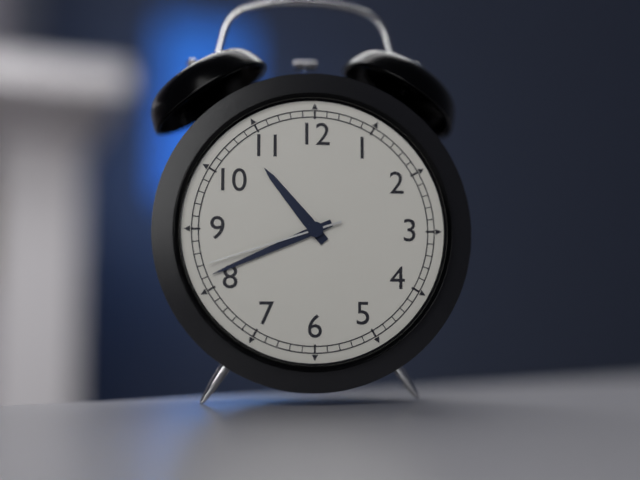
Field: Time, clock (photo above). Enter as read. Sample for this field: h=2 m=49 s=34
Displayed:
h=10 m=41 s=42
